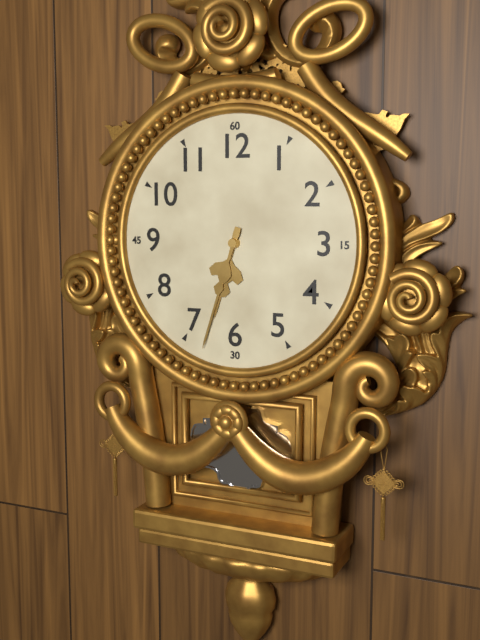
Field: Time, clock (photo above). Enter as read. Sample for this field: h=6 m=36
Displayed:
h=6 m=33
